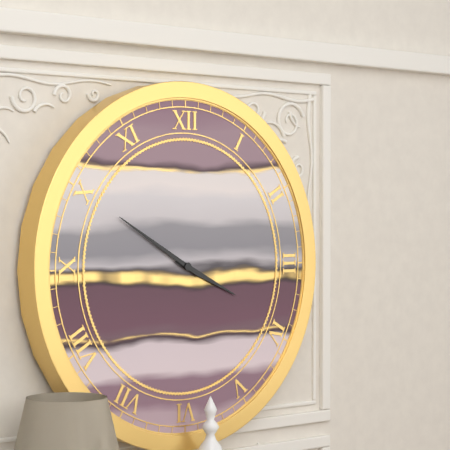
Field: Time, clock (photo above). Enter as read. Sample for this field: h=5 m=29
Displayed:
h=3 m=50
